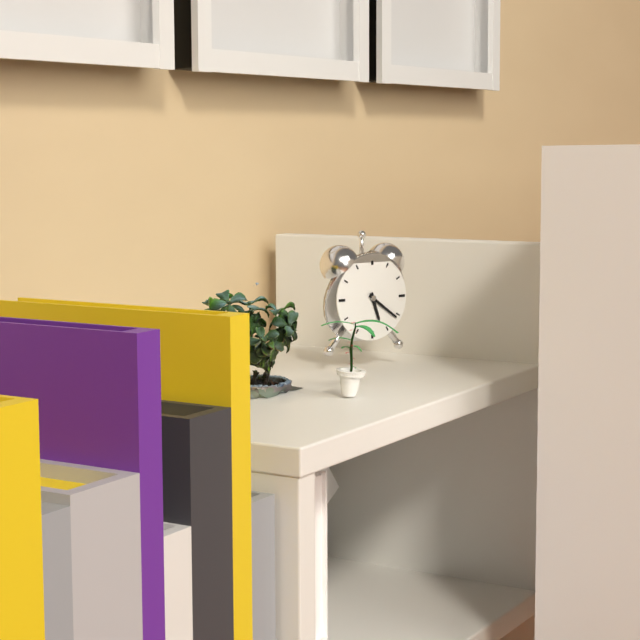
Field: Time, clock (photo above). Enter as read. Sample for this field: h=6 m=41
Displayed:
h=5 m=21
